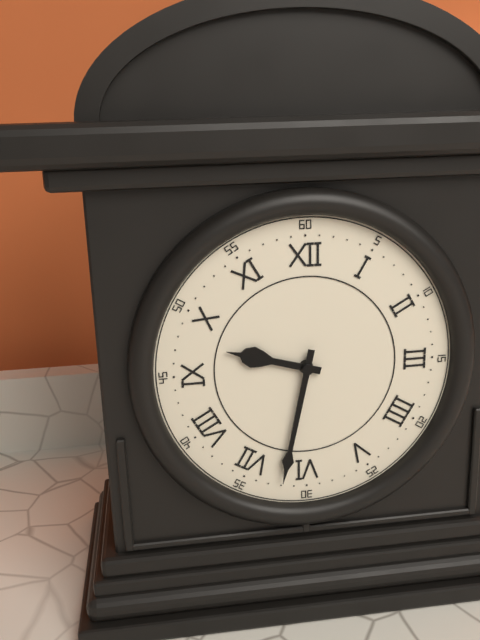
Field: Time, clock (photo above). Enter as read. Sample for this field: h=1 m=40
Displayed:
h=9 m=32
